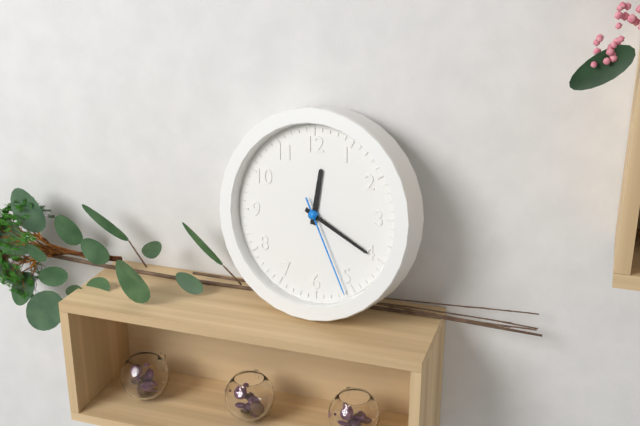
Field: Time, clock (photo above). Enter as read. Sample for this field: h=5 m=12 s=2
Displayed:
h=12 m=20 s=26
